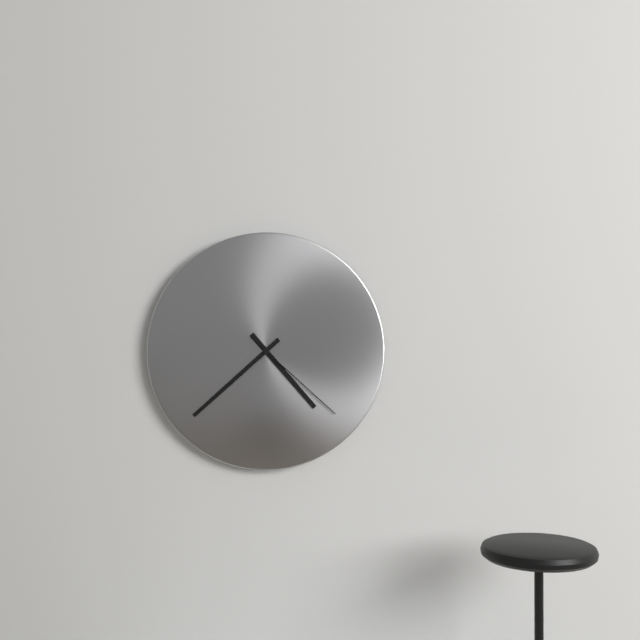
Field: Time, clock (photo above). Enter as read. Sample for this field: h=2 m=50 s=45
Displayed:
h=4 m=38 s=22
